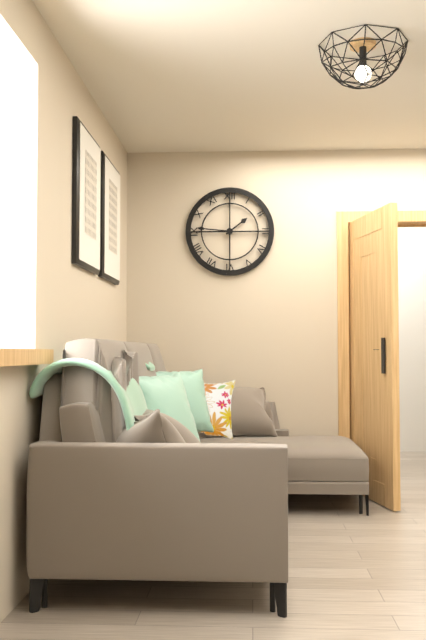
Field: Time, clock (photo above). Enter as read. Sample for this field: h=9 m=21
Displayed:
h=1 m=46
